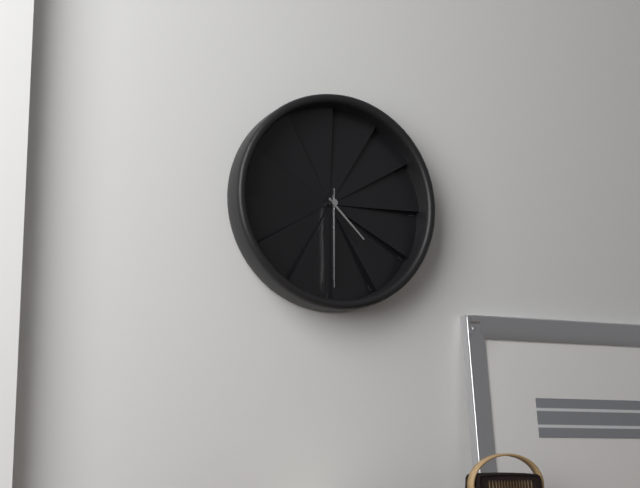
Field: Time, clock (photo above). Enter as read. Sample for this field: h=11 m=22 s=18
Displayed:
h=4 m=30 s=30
